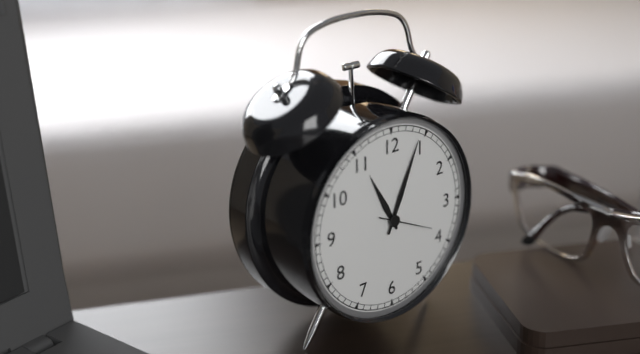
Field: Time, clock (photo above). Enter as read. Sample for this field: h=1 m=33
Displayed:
h=11 m=4
